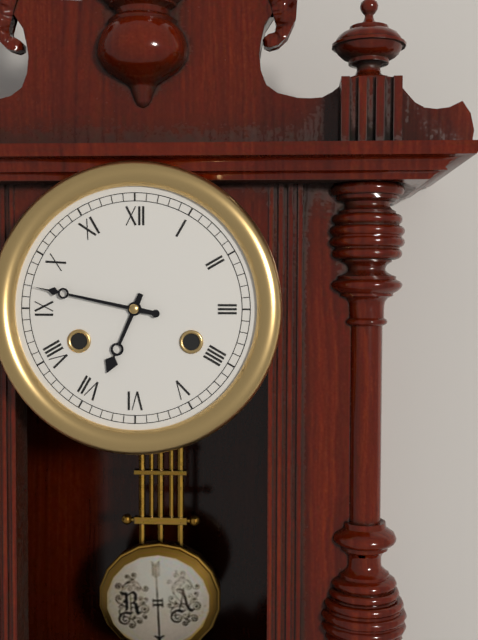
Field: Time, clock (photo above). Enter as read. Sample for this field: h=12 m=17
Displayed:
h=6 m=47
